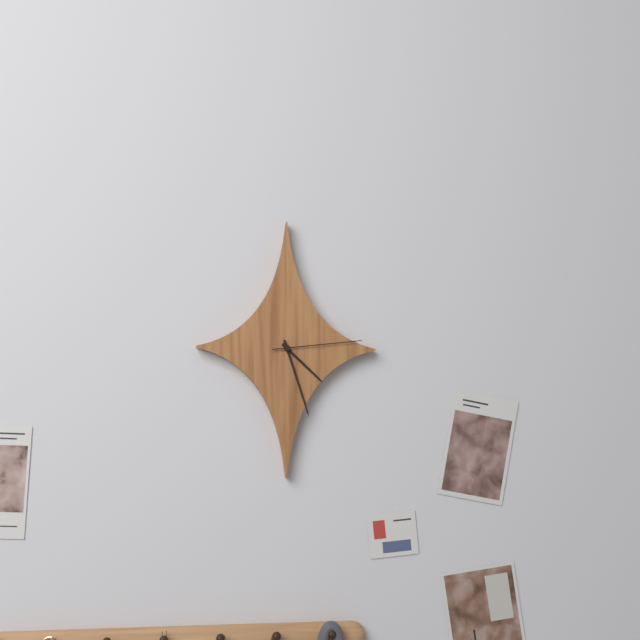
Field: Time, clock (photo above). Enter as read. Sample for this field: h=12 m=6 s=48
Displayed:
h=4 m=27 s=14
